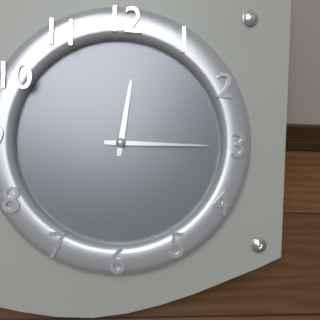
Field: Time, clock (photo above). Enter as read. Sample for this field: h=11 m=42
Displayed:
h=12 m=15
